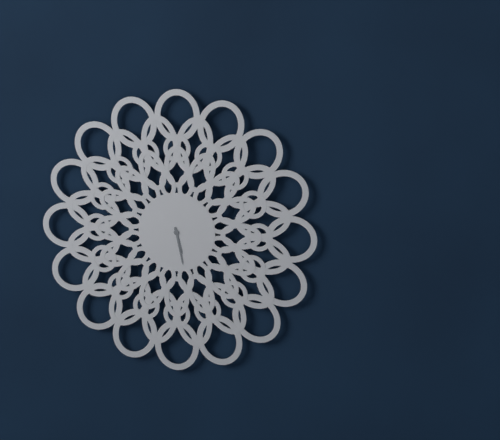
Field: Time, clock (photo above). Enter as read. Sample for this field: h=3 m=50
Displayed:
h=5 m=28
